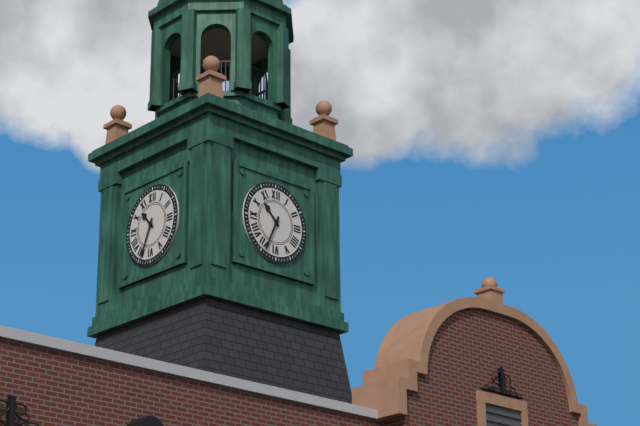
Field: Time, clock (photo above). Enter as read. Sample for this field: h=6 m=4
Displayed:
h=10 m=34
